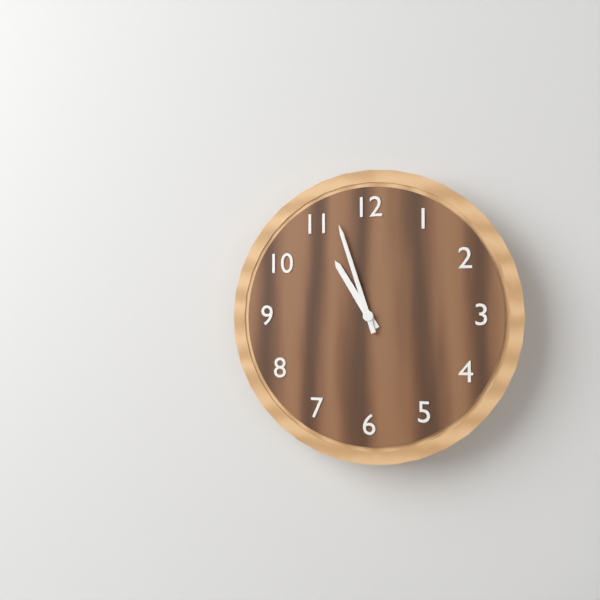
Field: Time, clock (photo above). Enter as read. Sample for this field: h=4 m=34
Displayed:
h=10 m=57
